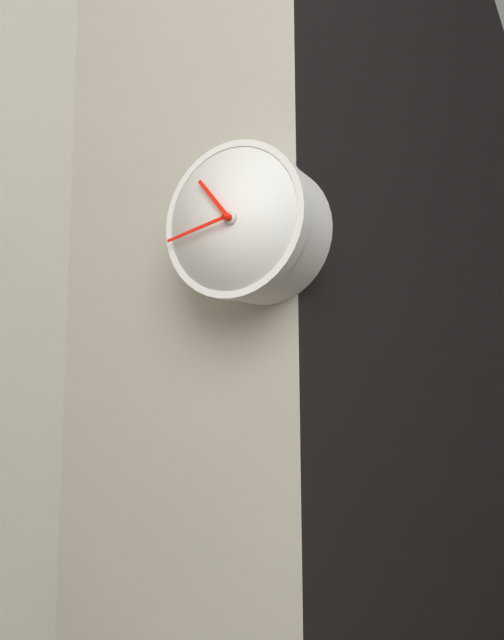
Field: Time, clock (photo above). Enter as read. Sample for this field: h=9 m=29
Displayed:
h=10 m=43
